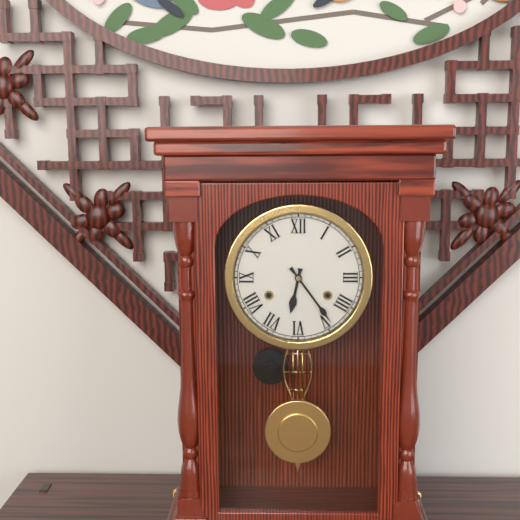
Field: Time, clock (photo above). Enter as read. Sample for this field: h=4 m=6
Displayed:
h=6 m=24
